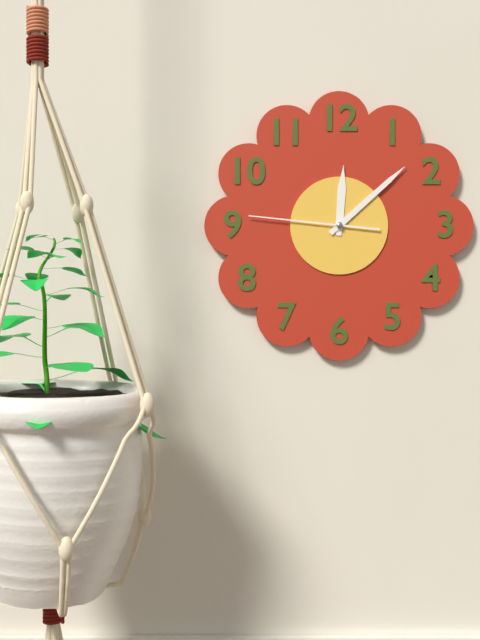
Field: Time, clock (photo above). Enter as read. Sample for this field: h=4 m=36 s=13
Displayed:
h=12 m=8 s=46
